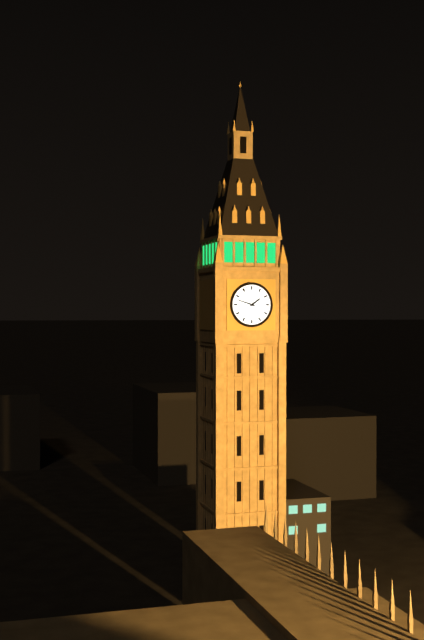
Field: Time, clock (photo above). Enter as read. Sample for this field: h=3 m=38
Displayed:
h=1 m=48
